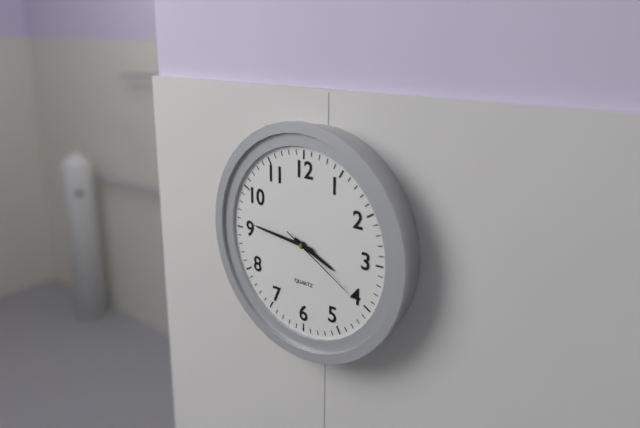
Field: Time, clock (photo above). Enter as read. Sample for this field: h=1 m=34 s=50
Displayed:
h=3 m=46 s=20
